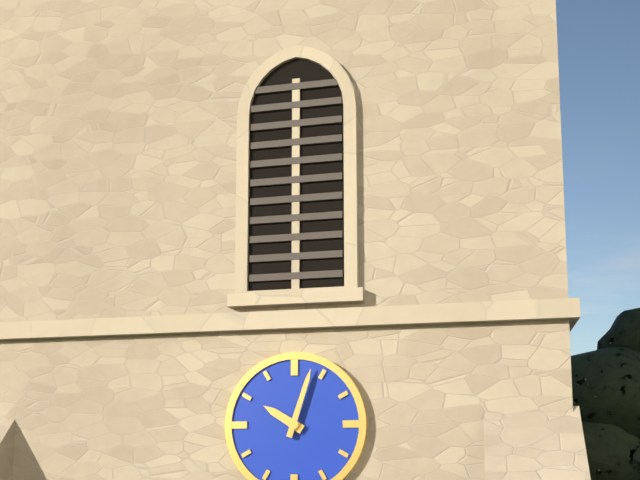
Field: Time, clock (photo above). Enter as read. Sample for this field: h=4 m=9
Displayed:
h=10 m=3
